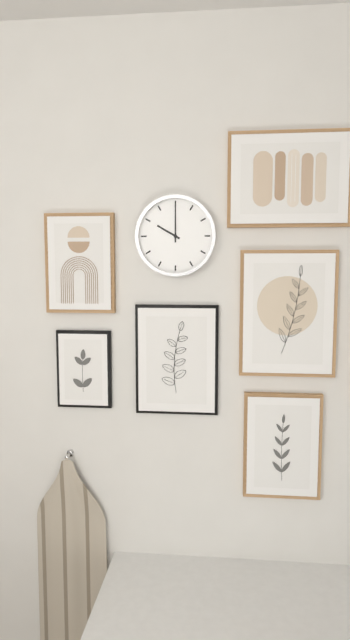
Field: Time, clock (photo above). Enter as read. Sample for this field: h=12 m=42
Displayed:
h=10 m=0
